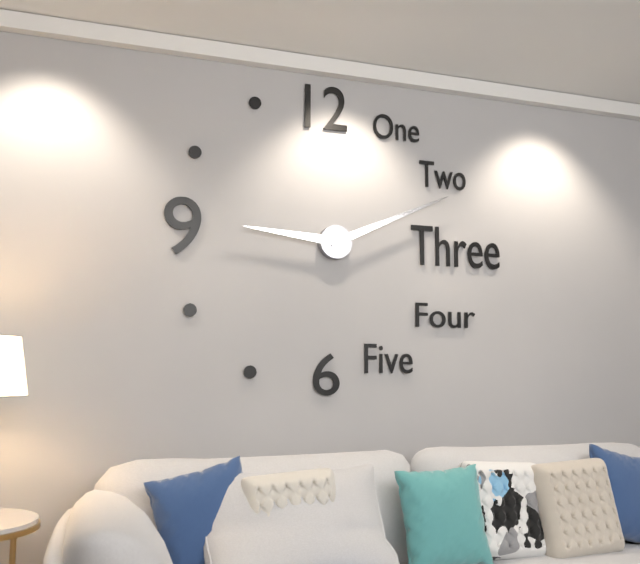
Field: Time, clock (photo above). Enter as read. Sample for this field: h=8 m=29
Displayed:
h=9 m=11
